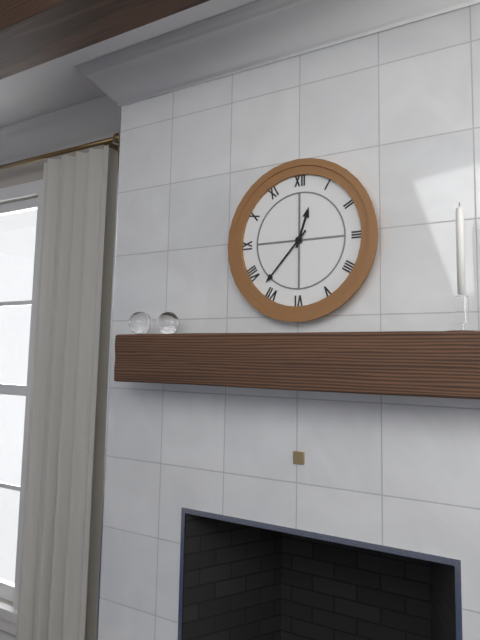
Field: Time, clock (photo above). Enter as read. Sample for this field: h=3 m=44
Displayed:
h=12 m=37
